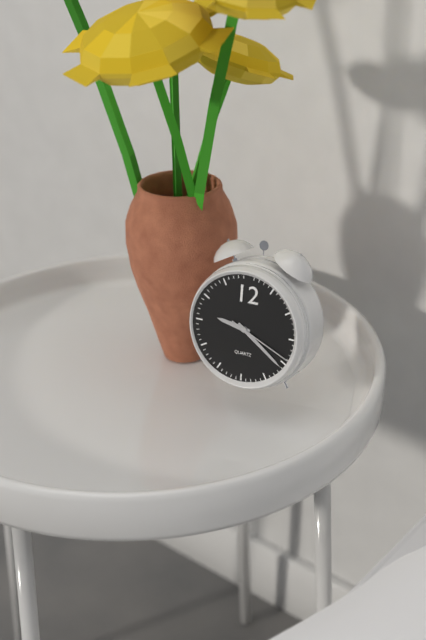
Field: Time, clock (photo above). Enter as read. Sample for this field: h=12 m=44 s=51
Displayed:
h=9 m=21 s=19
